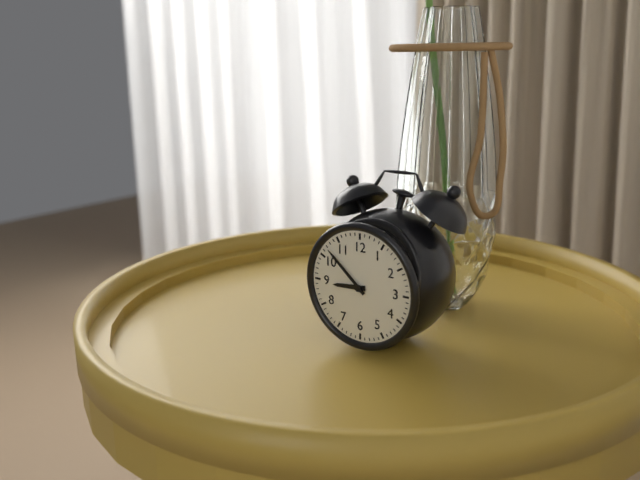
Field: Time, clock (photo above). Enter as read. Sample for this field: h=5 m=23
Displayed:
h=8 m=52
